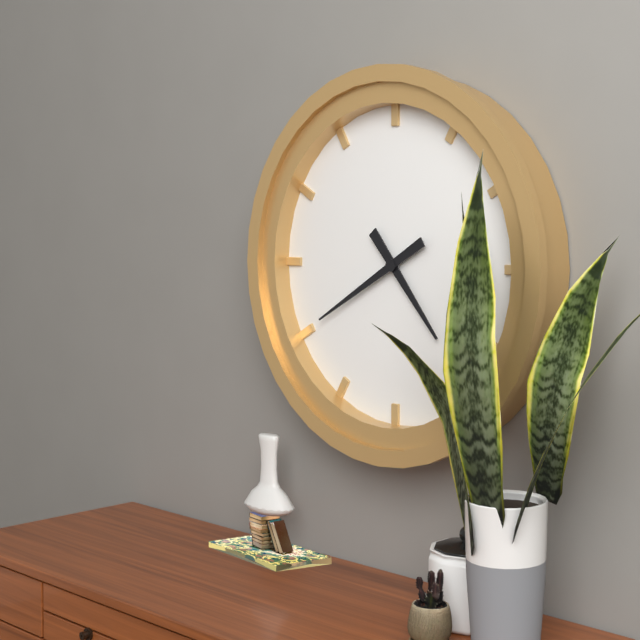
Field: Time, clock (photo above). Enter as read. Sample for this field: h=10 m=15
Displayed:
h=4 m=40
